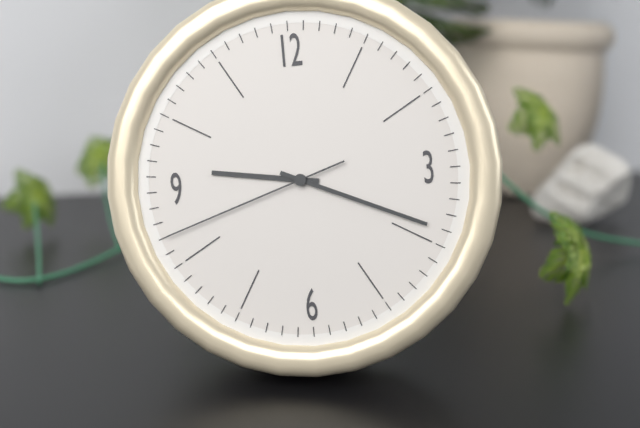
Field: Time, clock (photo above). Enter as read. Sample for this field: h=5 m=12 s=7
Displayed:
h=9 m=19 s=42
